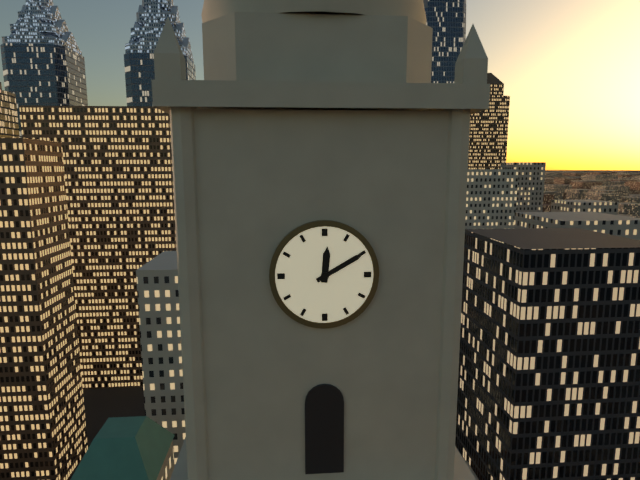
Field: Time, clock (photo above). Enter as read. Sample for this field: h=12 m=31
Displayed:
h=12 m=10
